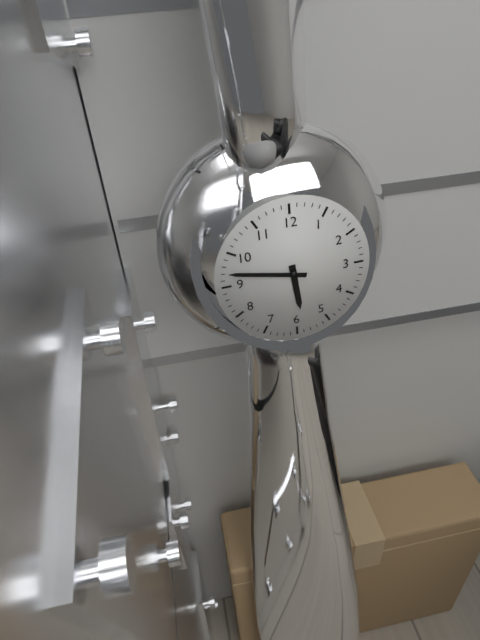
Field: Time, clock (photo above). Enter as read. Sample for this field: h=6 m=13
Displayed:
h=5 m=47
